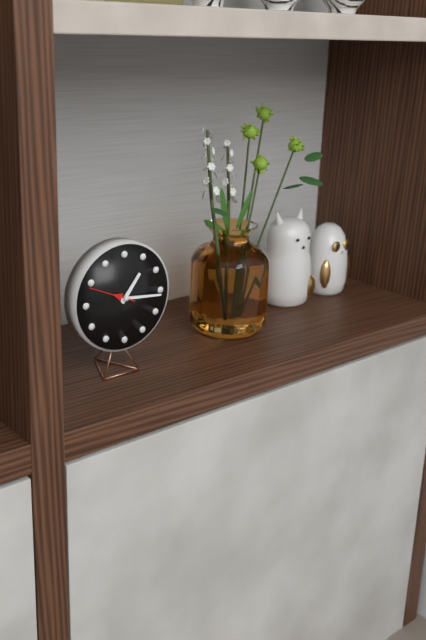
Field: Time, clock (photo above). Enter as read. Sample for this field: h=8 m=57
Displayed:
h=1 m=16
